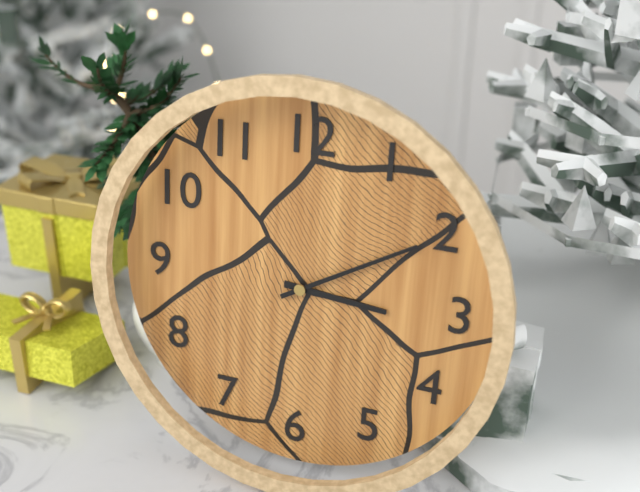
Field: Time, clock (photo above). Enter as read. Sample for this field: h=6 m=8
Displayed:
h=3 m=10
